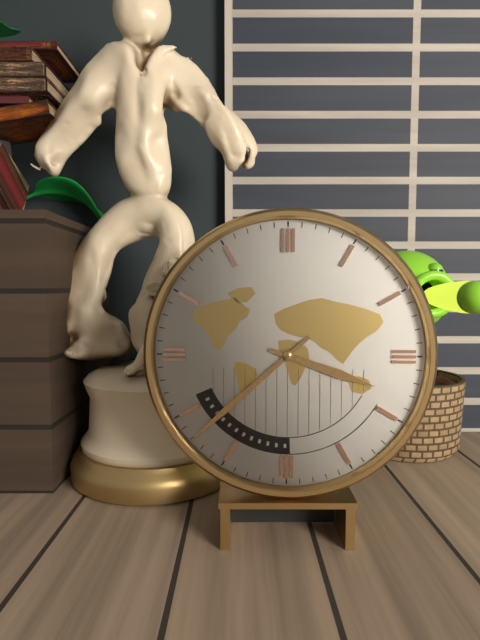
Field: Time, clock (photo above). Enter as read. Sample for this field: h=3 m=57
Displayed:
h=3 m=38
